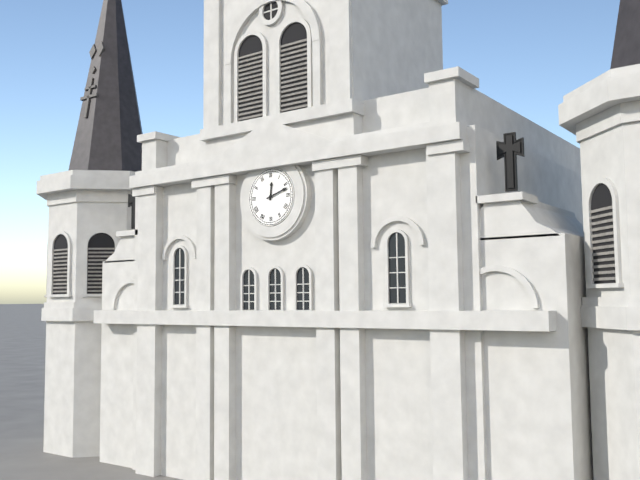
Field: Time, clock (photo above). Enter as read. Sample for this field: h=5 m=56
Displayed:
h=12 m=12
